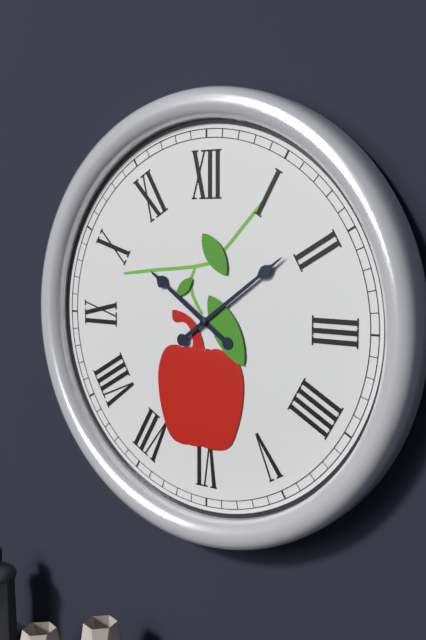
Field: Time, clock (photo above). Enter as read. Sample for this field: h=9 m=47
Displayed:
h=10 m=9
